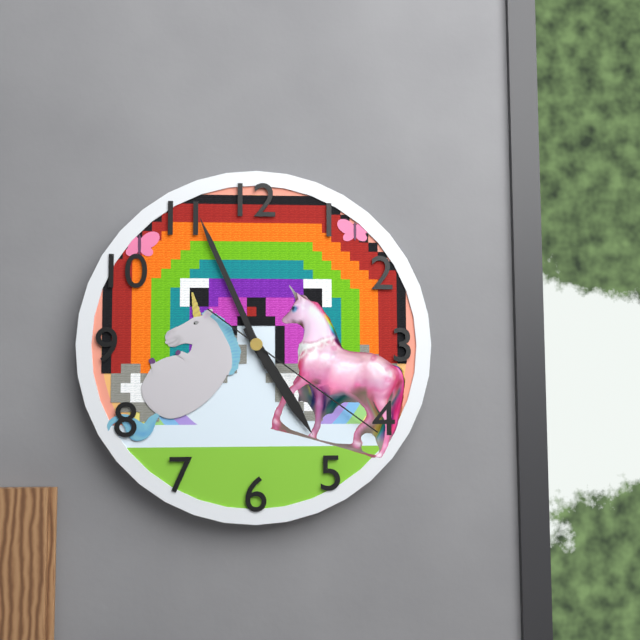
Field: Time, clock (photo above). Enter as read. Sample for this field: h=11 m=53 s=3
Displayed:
h=4 m=56 s=21
